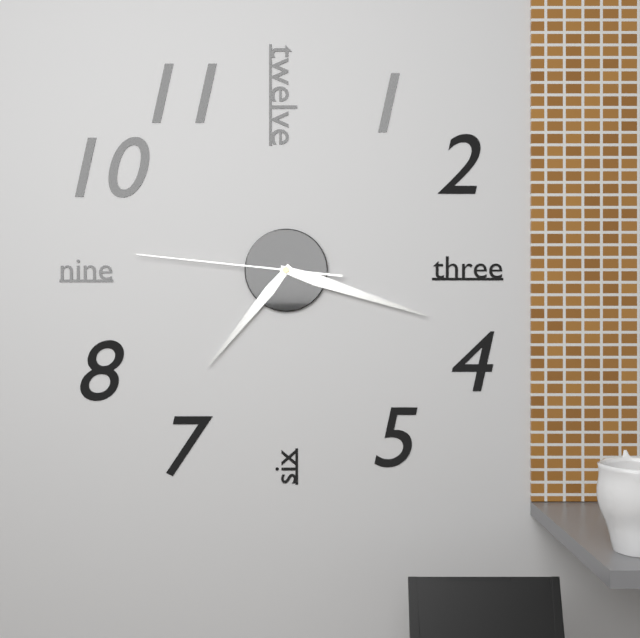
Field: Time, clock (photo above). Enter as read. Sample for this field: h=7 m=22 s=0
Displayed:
h=7 m=18 s=46
